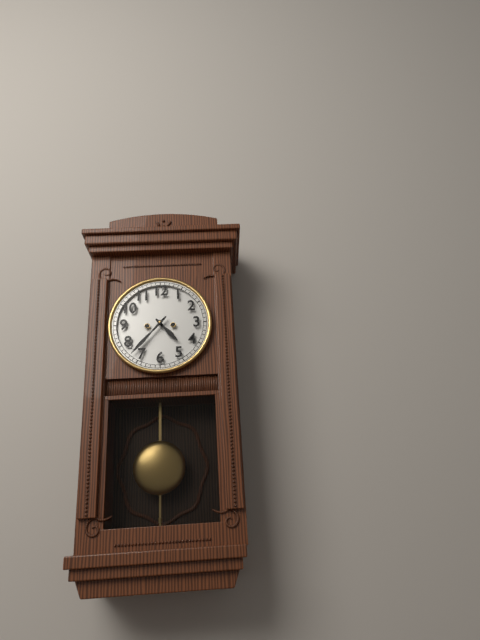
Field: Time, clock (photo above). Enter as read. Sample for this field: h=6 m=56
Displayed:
h=4 m=37
